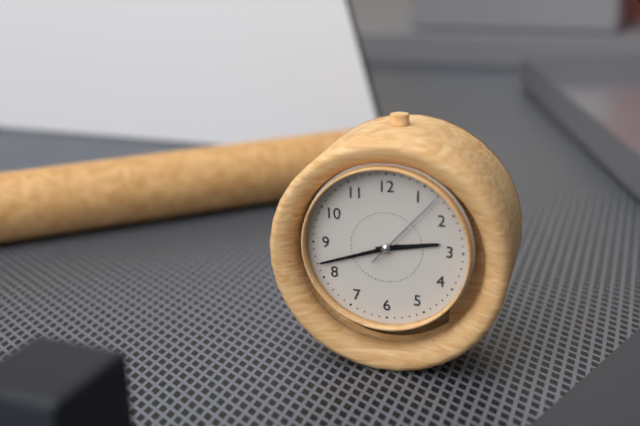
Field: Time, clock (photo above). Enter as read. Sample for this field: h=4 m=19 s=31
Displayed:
h=2 m=42 s=7
